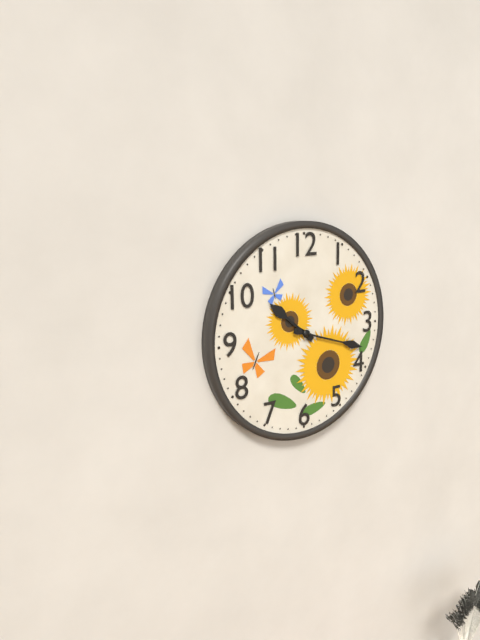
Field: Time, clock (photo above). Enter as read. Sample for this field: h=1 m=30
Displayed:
h=10 m=18
